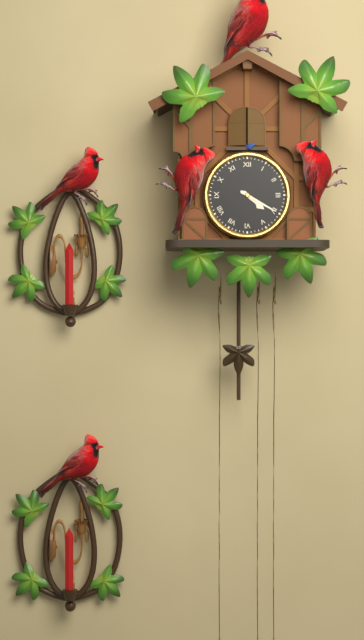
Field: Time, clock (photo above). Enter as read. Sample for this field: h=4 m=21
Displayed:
h=4 m=20
